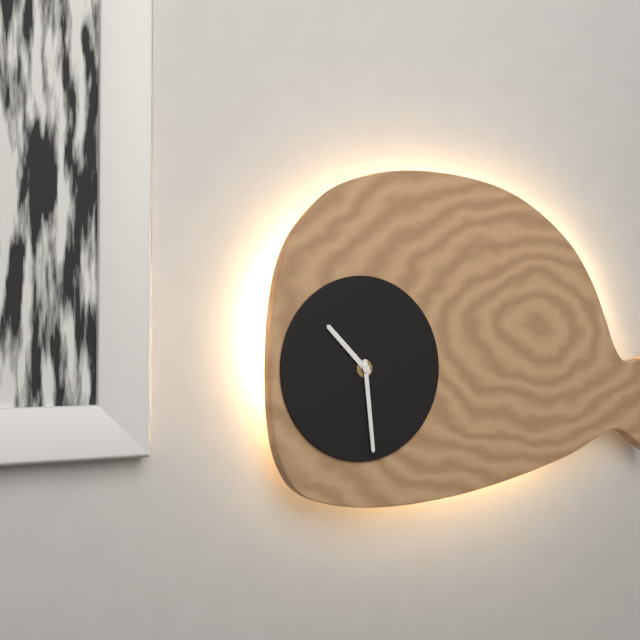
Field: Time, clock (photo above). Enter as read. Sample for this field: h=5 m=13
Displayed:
h=10 m=29
